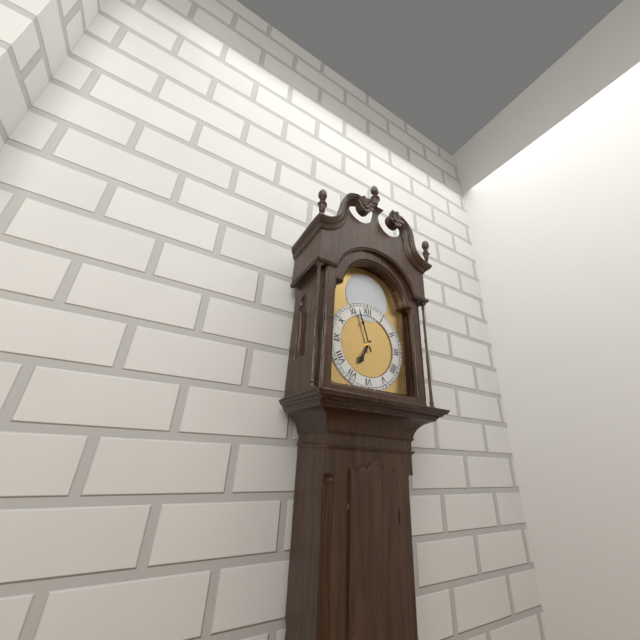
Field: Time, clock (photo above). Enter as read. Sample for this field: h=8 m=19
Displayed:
h=6 m=57
